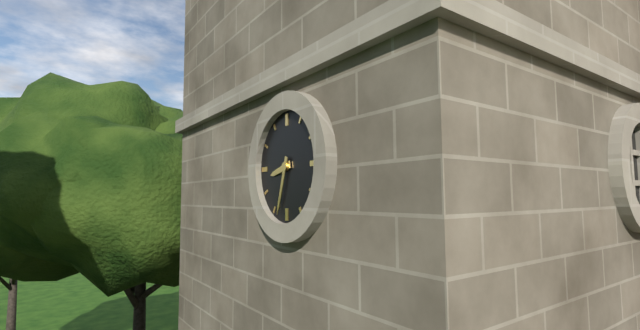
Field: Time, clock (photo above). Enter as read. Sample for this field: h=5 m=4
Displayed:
h=8 m=33
